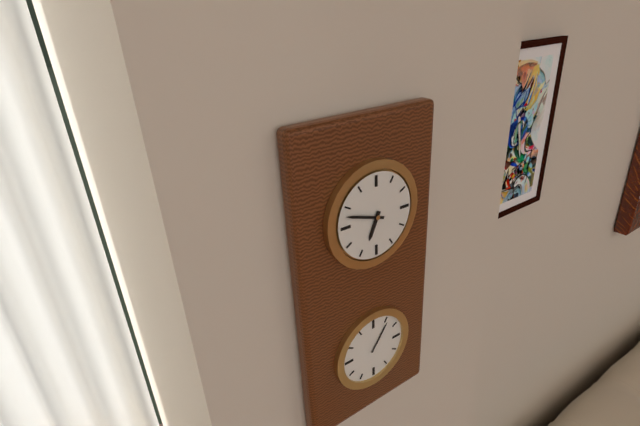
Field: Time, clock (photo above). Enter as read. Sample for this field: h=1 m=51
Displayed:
h=6 m=48
